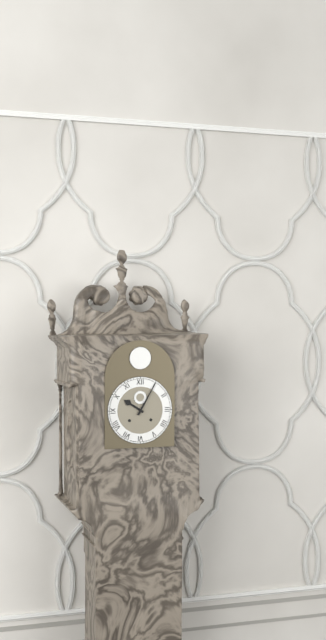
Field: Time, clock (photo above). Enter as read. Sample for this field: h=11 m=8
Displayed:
h=10 m=5
